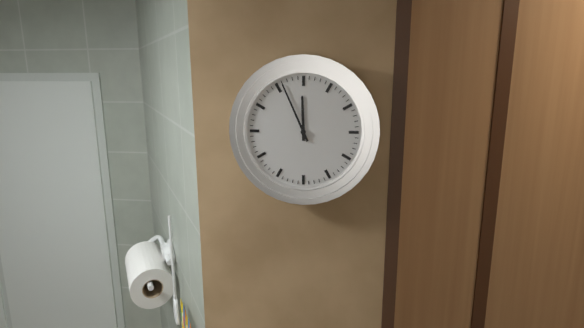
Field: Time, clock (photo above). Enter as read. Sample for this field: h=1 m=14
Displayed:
h=11 m=56
